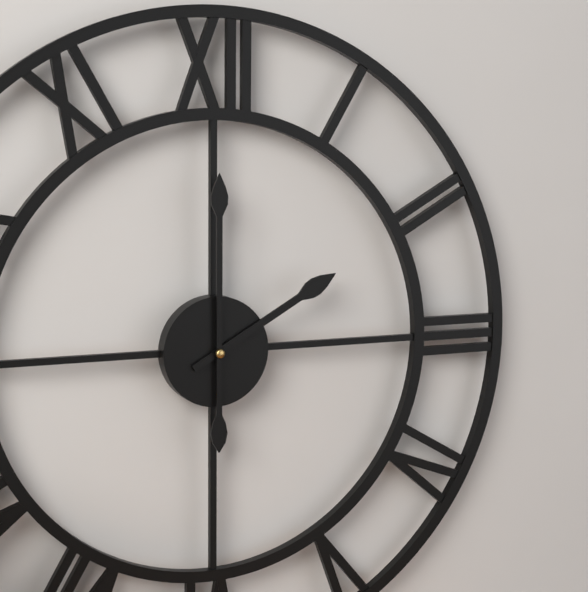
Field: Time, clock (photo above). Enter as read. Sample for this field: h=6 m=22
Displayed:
h=2 m=0
